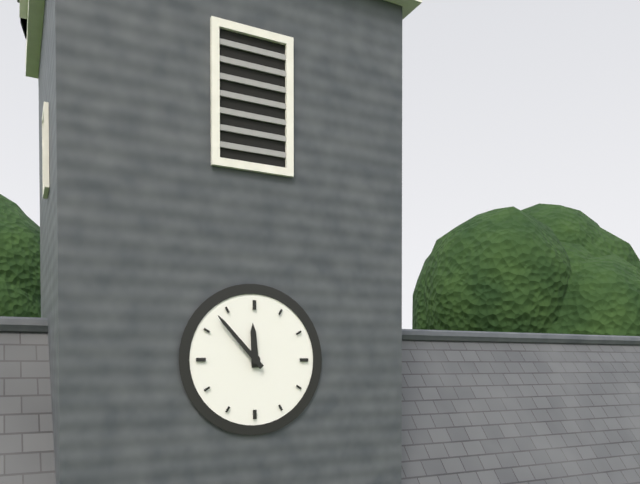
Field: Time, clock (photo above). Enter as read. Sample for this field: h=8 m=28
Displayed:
h=11 m=53
